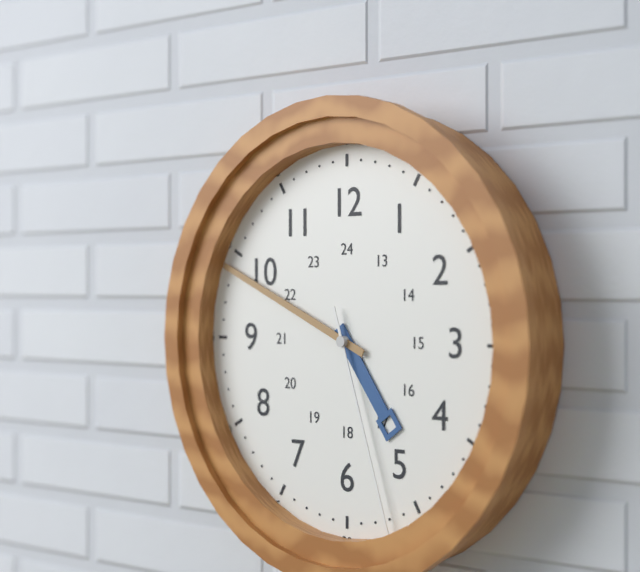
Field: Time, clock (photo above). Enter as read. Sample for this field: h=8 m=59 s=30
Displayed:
h=4 m=49 s=27
